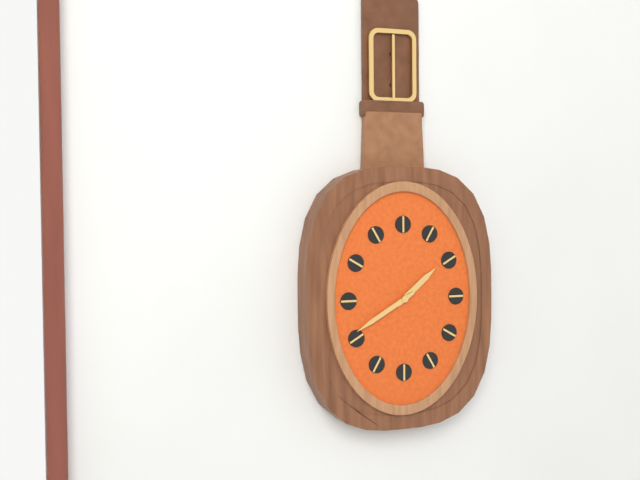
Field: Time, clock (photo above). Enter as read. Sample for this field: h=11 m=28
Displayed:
h=1 m=40
